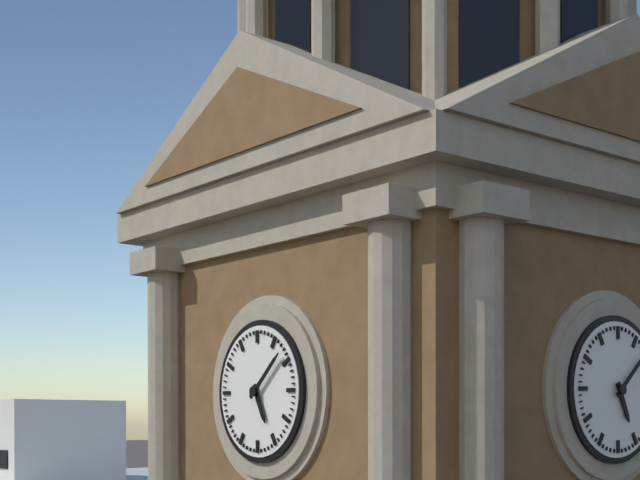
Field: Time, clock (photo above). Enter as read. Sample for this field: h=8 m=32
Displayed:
h=5 m=8
